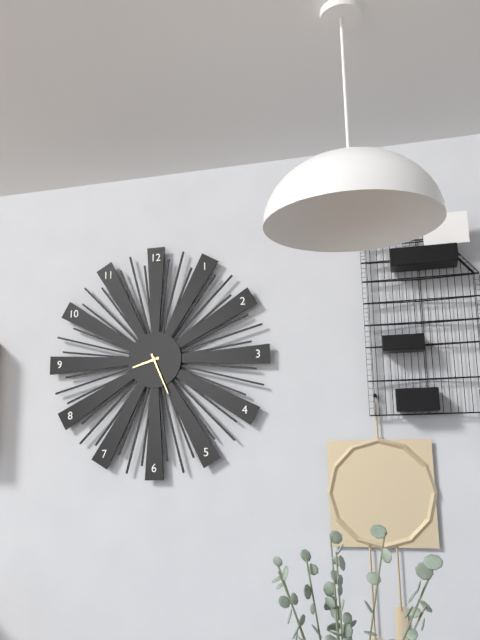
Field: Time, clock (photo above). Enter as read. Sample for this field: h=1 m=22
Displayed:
h=8 m=26
